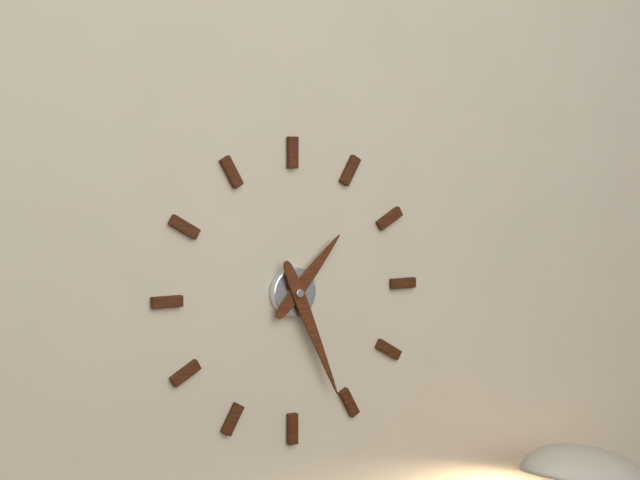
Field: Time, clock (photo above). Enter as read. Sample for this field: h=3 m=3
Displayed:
h=1 m=26
